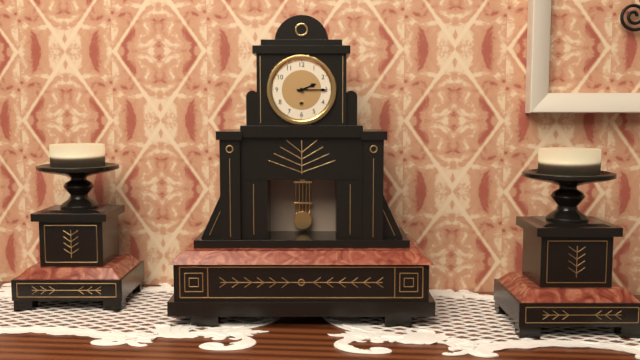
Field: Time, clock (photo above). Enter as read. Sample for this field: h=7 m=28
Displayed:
h=2 m=15
